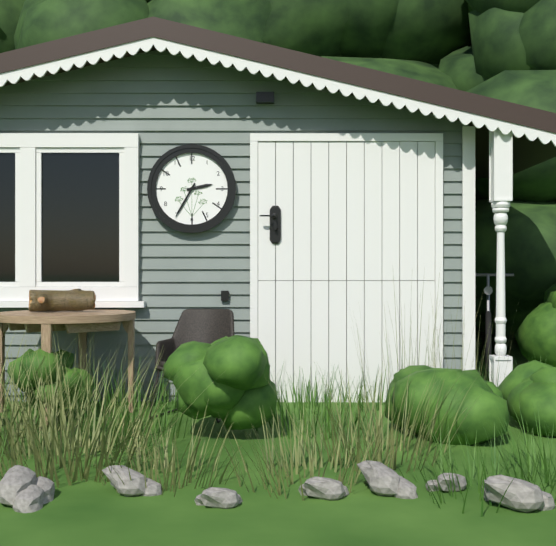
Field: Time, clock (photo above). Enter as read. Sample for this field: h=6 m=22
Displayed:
h=2 m=35
